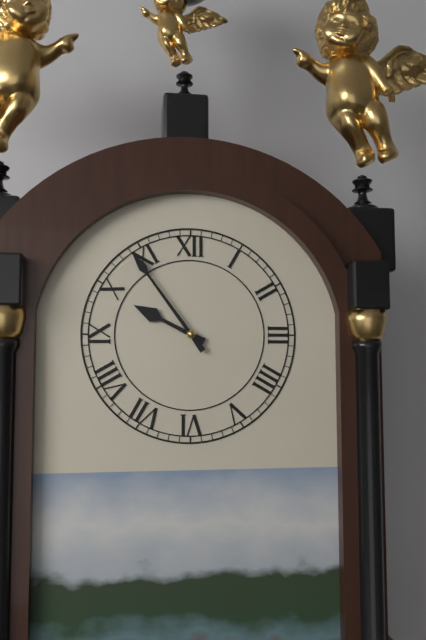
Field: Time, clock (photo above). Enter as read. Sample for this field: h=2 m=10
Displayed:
h=9 m=54
